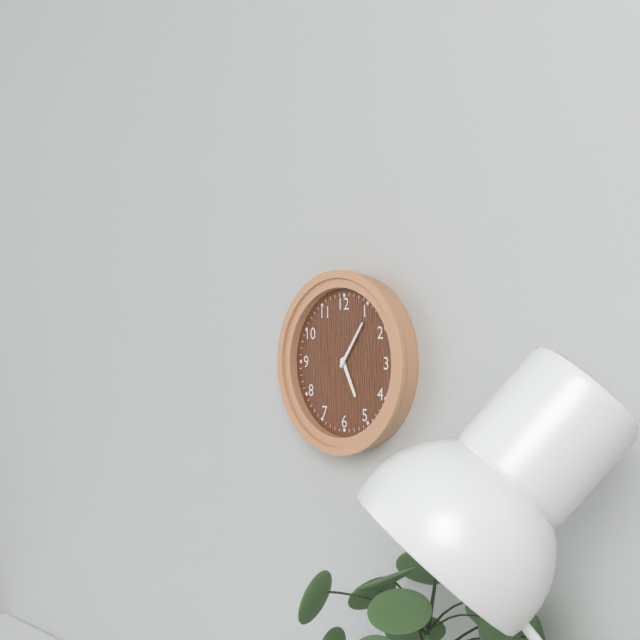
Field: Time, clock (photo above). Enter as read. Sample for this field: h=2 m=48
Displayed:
h=5 m=6
